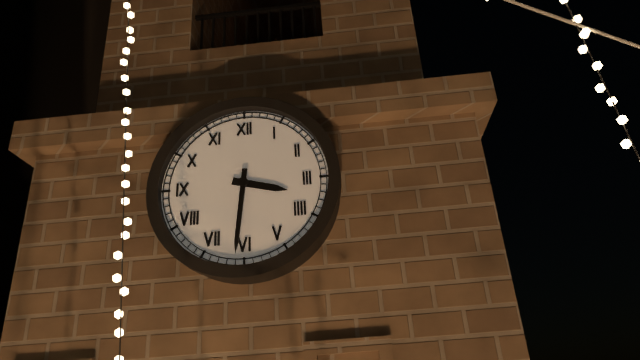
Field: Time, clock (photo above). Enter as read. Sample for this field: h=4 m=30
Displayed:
h=3 m=31
